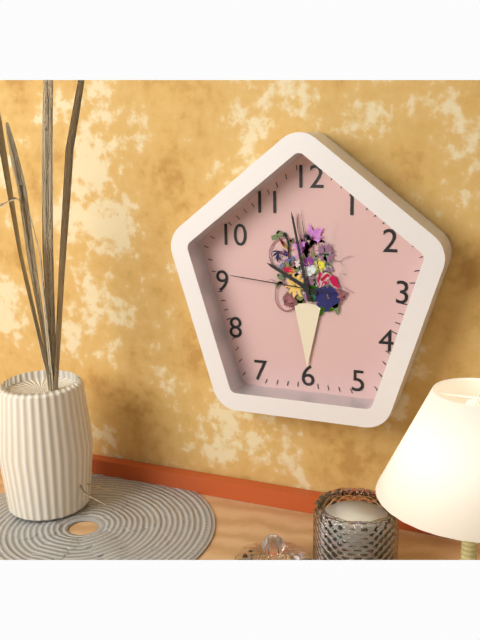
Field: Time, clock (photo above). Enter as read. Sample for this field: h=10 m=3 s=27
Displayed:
h=9 m=58 s=46
